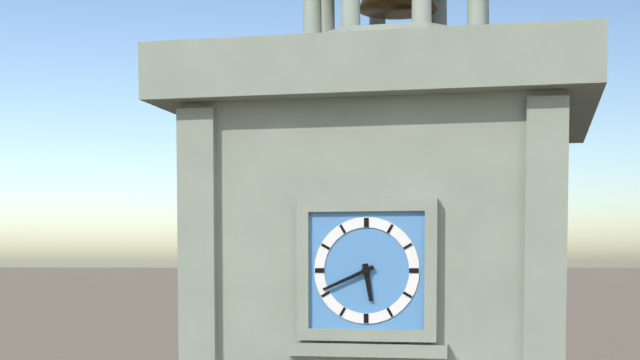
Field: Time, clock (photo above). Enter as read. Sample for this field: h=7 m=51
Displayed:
h=5 m=41
